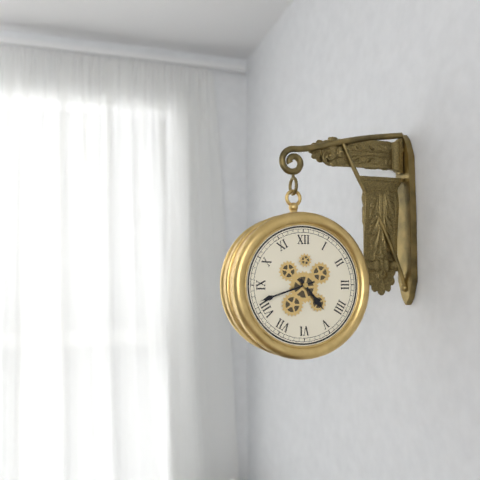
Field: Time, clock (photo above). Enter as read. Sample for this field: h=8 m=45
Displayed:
h=4 m=42
